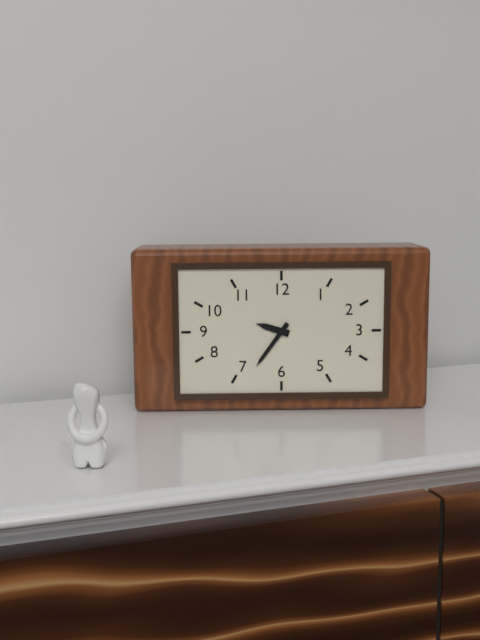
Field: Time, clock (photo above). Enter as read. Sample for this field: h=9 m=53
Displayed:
h=9 m=36
